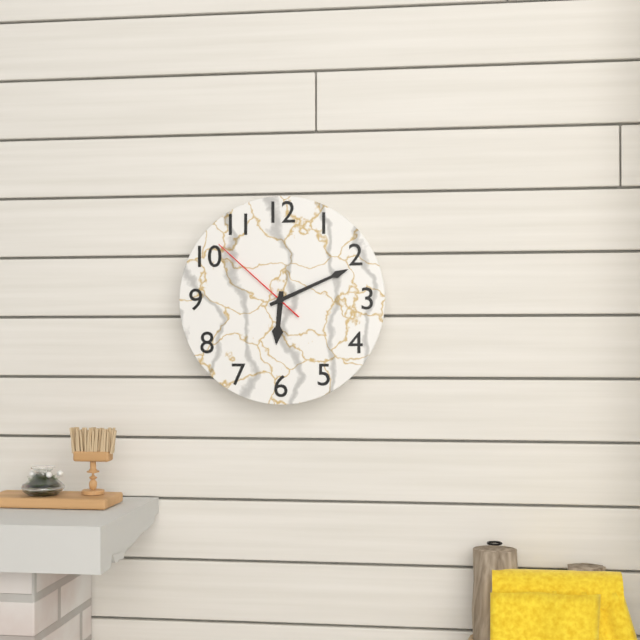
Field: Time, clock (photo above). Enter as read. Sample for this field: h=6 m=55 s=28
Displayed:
h=6 m=11 s=52
